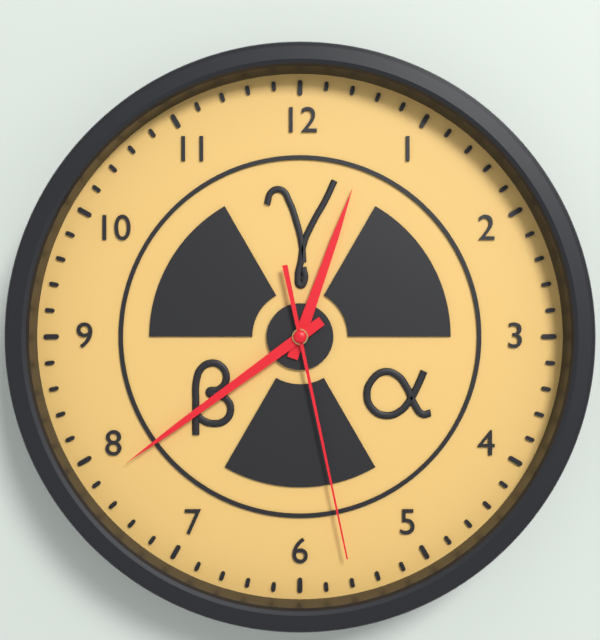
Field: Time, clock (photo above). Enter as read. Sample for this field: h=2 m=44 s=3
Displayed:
h=12 m=39 s=28
